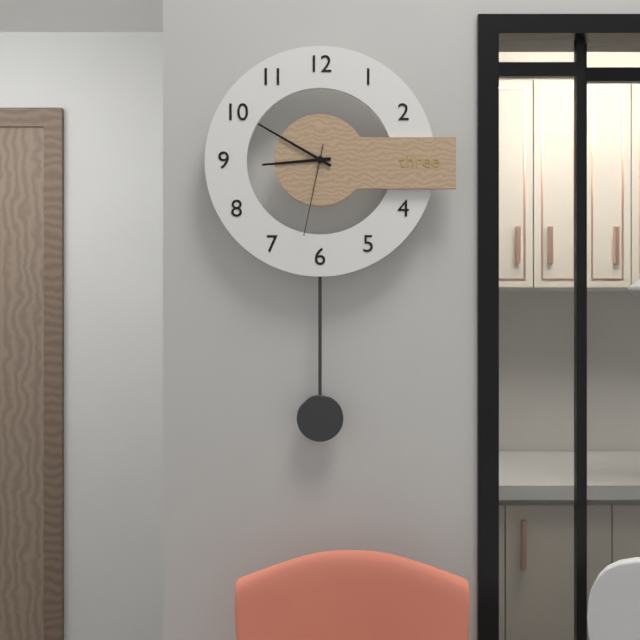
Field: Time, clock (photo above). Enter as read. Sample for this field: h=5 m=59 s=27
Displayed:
h=8 m=50 s=32
